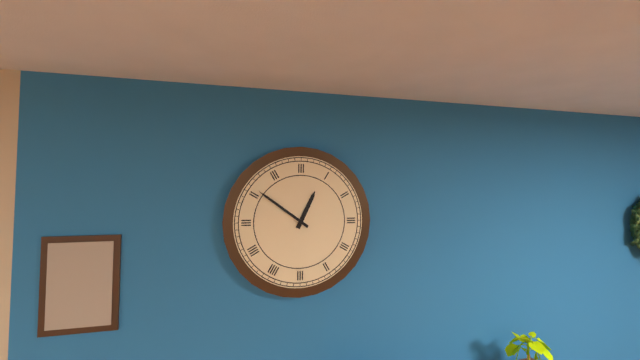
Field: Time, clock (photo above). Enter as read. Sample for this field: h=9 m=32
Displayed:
h=12 m=51
